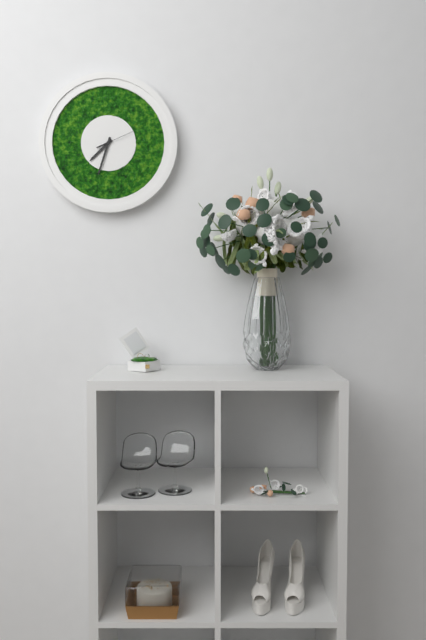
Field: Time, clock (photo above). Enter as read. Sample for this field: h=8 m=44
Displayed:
h=7 m=33
